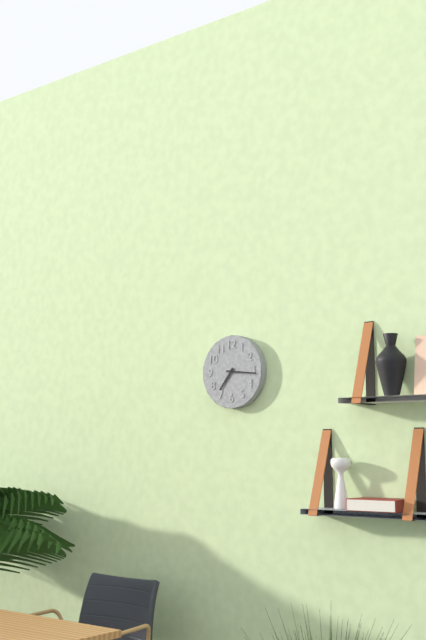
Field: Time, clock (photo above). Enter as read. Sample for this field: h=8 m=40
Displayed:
h=7 m=16
